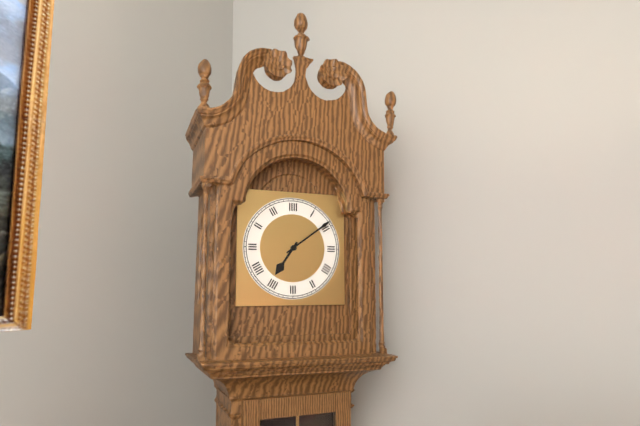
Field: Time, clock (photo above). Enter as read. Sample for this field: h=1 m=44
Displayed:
h=7 m=9
